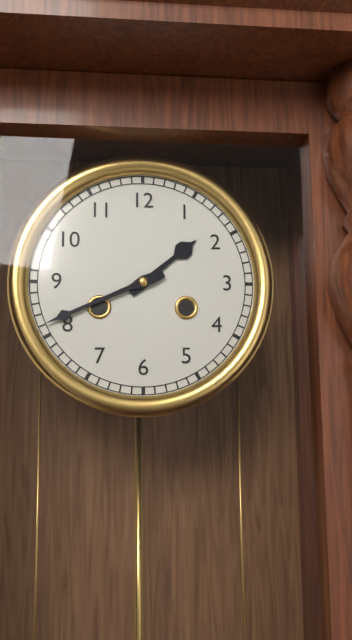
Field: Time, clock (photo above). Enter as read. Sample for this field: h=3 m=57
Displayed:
h=1 m=41
